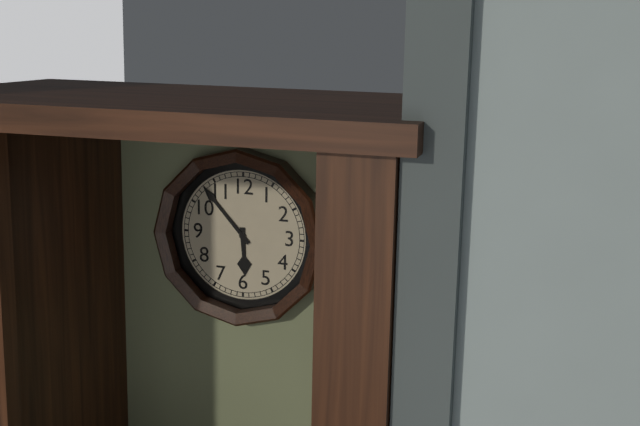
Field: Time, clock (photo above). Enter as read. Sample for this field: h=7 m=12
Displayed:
h=5 m=53
